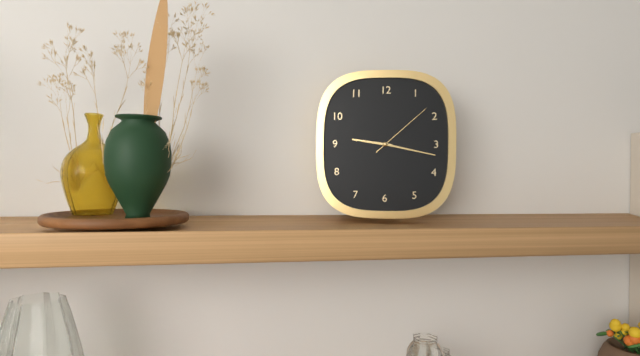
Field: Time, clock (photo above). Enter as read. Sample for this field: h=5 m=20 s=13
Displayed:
h=9 m=17 s=8
